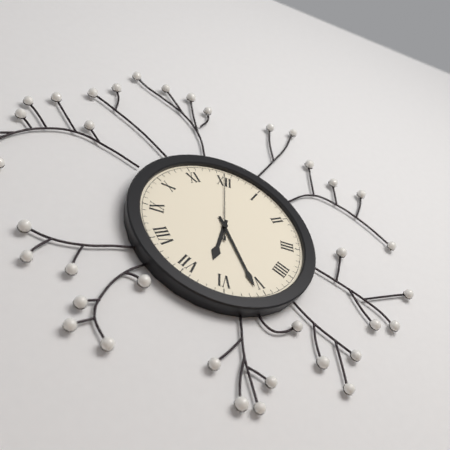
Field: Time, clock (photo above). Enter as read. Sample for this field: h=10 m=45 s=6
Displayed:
h=6 m=26 s=0
